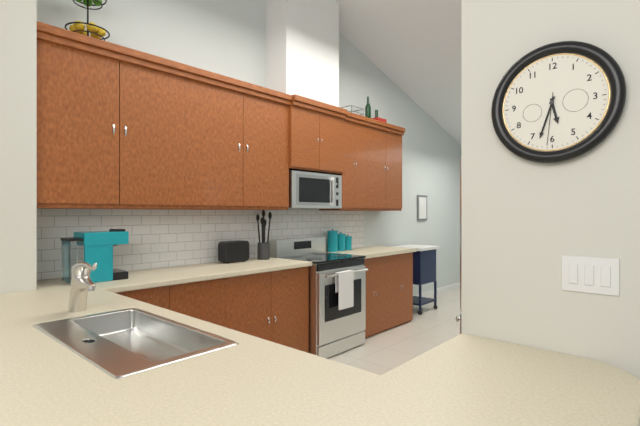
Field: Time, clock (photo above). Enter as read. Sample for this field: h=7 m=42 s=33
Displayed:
h=5 m=33 s=31
